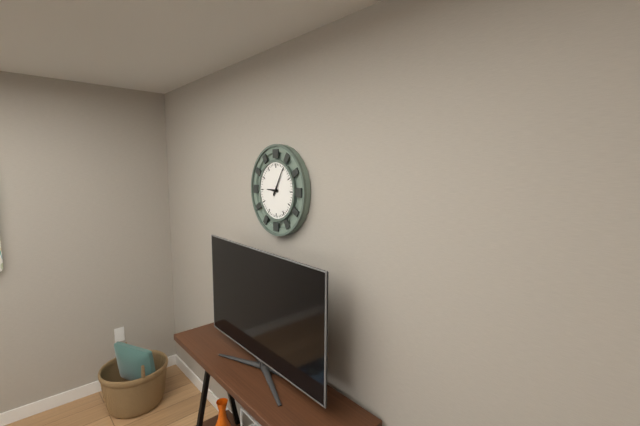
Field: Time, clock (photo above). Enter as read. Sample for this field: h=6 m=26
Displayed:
h=9 m=5
